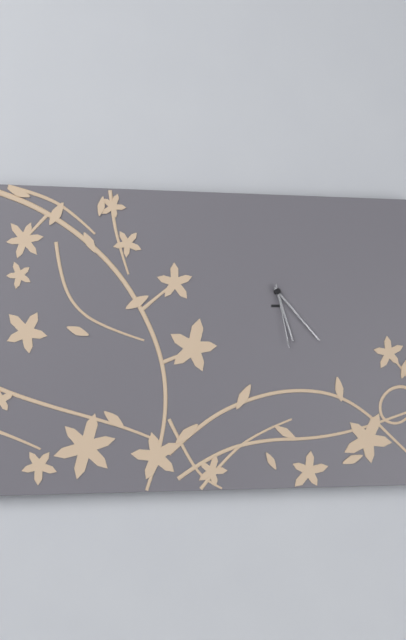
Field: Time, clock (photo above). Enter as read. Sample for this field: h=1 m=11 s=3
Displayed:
h=5 m=23 s=28
